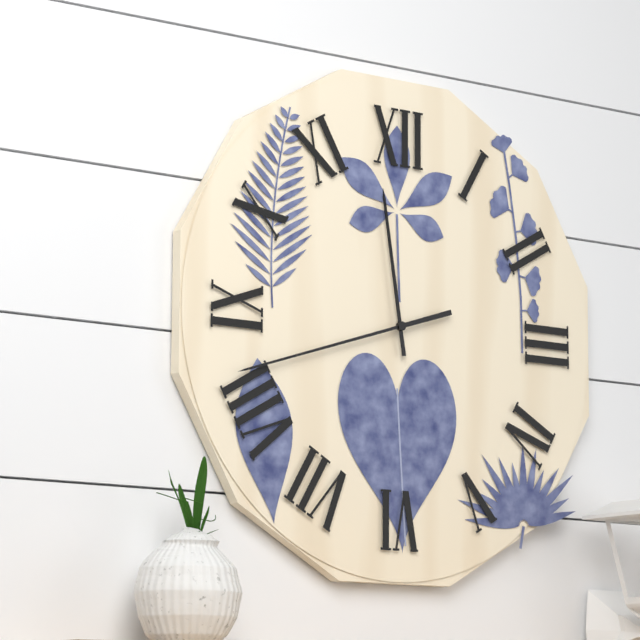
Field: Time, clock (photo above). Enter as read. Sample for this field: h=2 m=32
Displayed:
h=11 m=42
